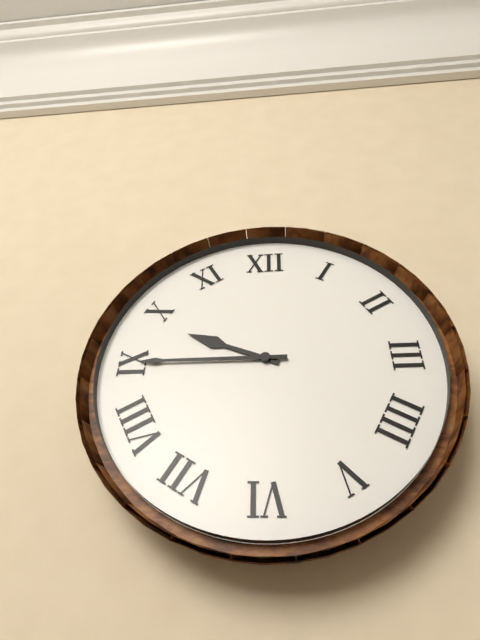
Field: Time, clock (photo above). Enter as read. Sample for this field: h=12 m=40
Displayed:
h=9 m=45
